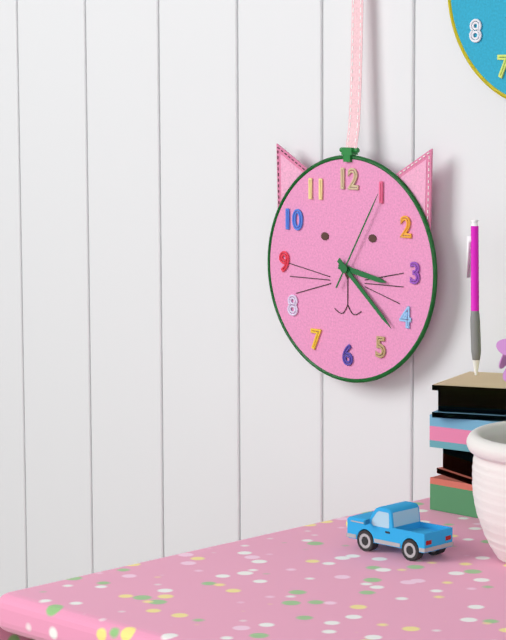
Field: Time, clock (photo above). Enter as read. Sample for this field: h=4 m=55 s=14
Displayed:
h=3 m=22 s=5
